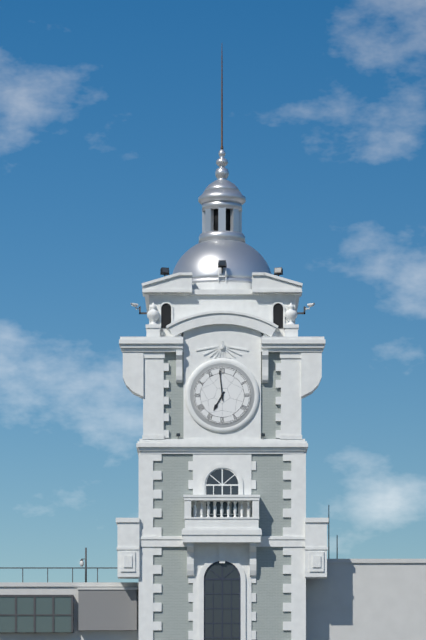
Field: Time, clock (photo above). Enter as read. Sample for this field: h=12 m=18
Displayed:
h=6 m=59
